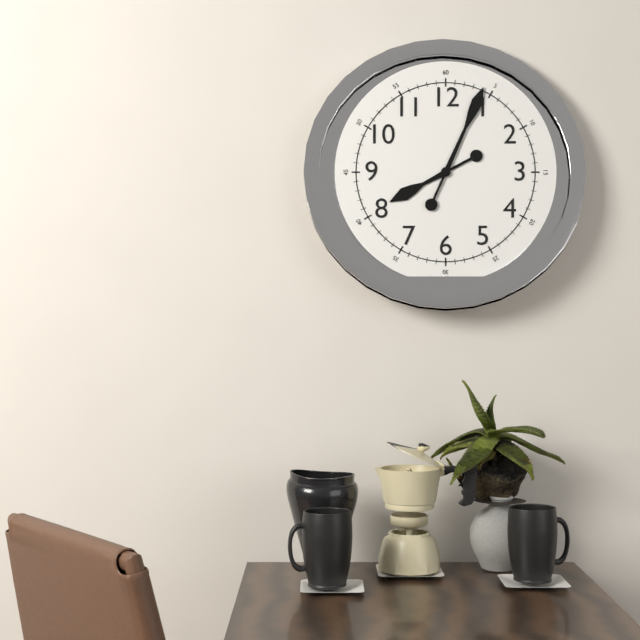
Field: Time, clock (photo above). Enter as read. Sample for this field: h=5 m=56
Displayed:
h=8 m=4
